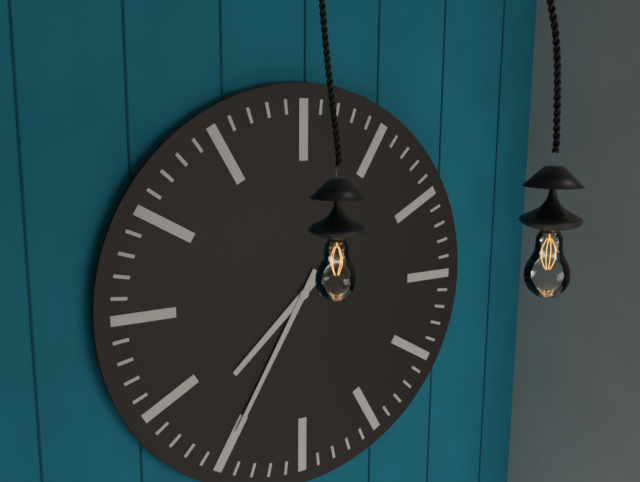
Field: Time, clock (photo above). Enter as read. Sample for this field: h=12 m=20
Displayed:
h=7 m=35
